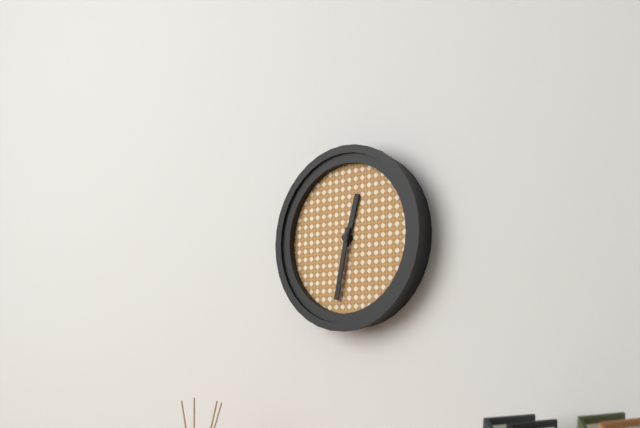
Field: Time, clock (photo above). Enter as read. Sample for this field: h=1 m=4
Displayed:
h=12 m=32
